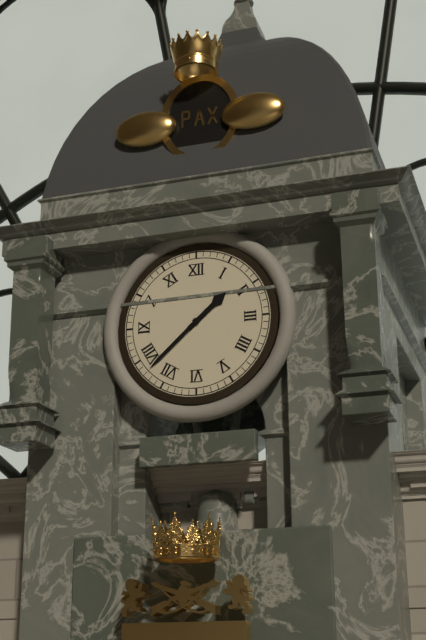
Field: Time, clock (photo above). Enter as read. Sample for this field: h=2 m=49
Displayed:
h=1 m=38
